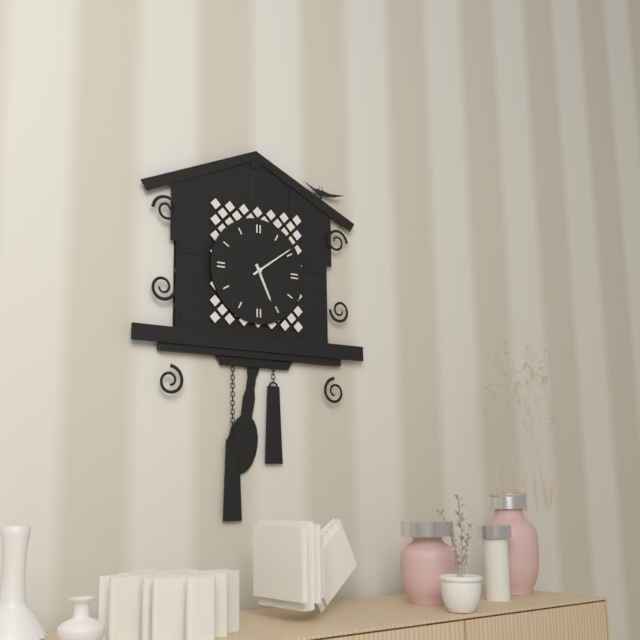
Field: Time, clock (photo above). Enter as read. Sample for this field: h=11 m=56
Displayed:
h=5 m=9
